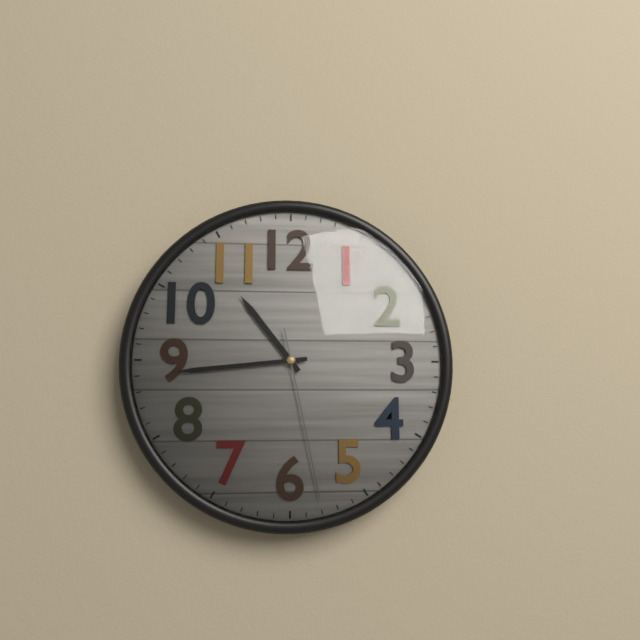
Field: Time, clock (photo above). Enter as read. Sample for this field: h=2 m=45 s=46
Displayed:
h=10 m=44 s=28
